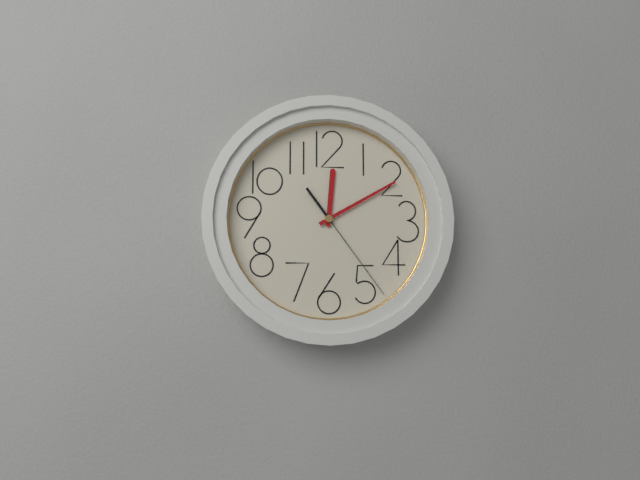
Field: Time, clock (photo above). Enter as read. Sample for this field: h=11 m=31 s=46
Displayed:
h=12 m=10 s=24
